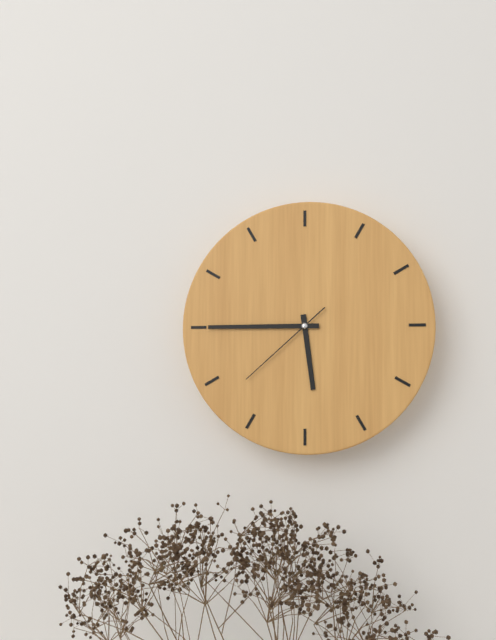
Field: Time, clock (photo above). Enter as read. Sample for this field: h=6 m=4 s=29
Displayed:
h=5 m=45 s=38
